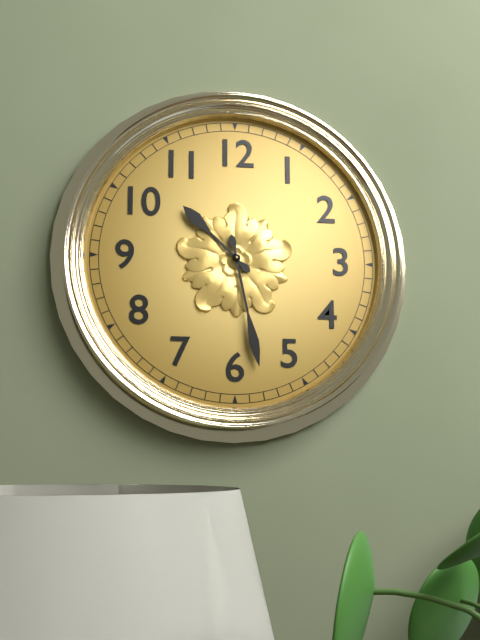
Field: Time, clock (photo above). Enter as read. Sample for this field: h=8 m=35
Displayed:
h=10 m=28
